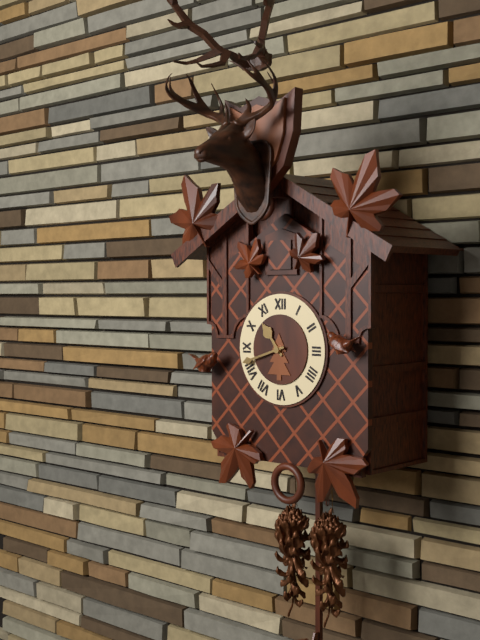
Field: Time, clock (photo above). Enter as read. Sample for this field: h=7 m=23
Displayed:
h=10 m=42
